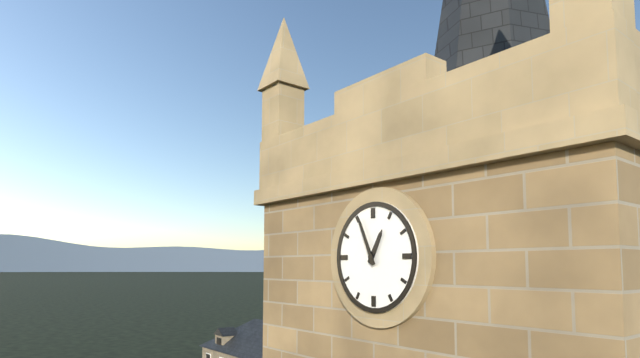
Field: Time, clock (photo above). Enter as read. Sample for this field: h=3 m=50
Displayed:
h=12 m=56
